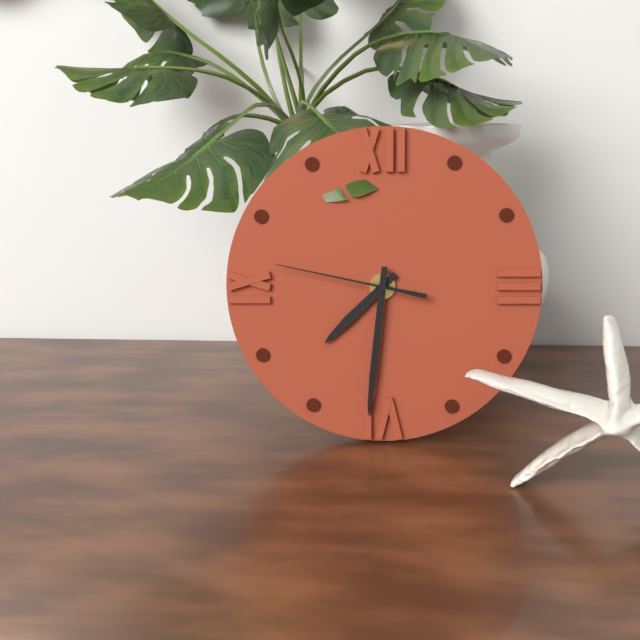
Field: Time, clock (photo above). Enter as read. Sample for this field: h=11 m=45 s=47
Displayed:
h=7 m=31 s=47
